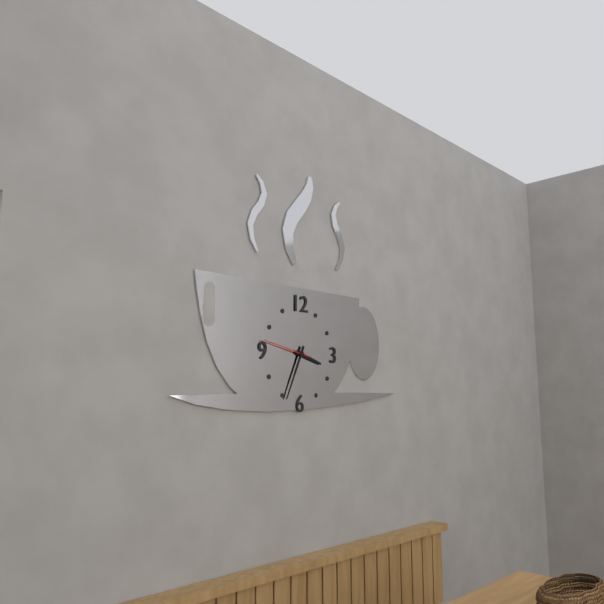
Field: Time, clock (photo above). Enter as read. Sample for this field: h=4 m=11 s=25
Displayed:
h=3 m=34 s=47
